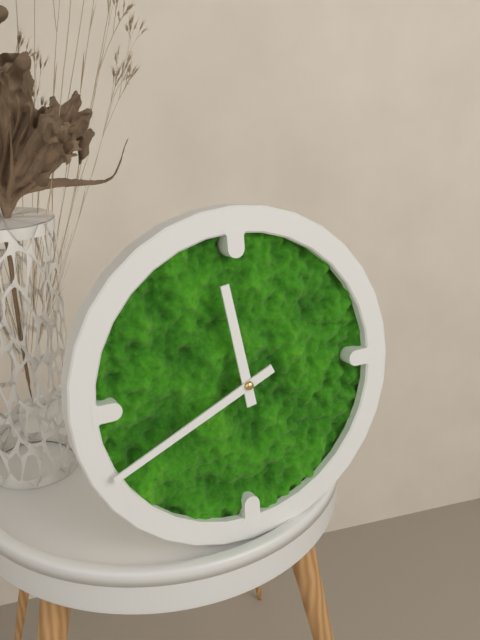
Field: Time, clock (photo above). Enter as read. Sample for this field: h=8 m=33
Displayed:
h=11 m=41
